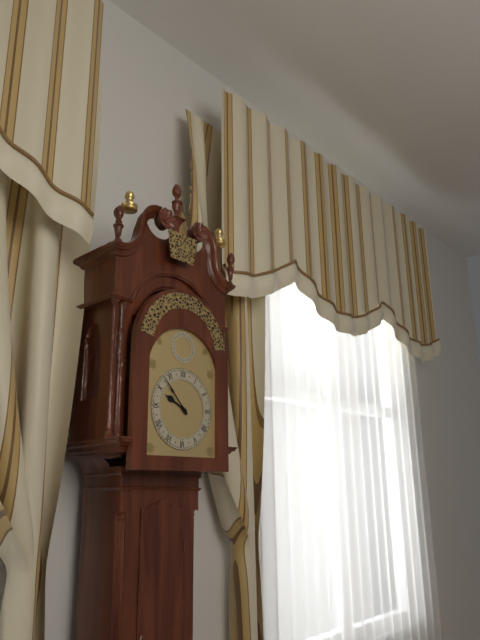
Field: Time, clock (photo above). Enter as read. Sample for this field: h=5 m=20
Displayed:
h=9 m=53
